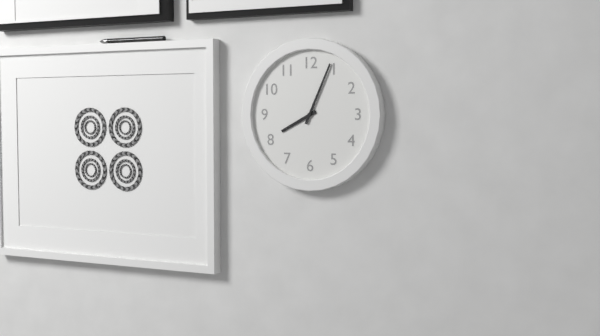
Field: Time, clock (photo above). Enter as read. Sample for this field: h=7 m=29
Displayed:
h=8 m=4
